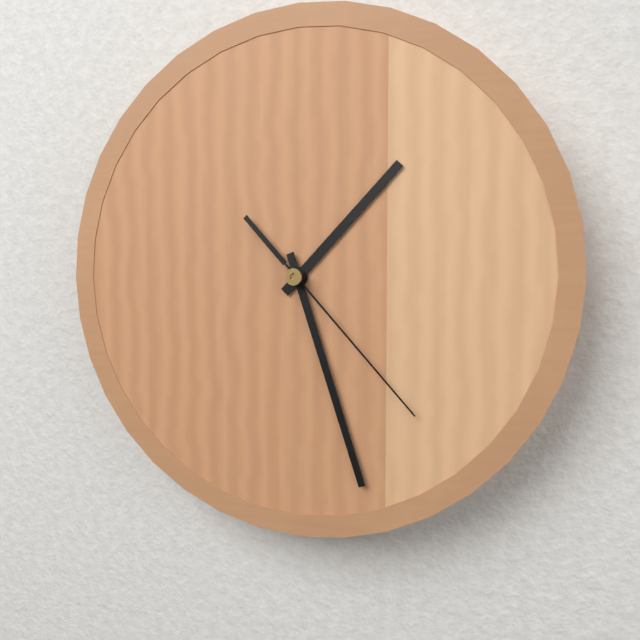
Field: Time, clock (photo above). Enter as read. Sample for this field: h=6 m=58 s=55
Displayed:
h=1 m=27 s=23
